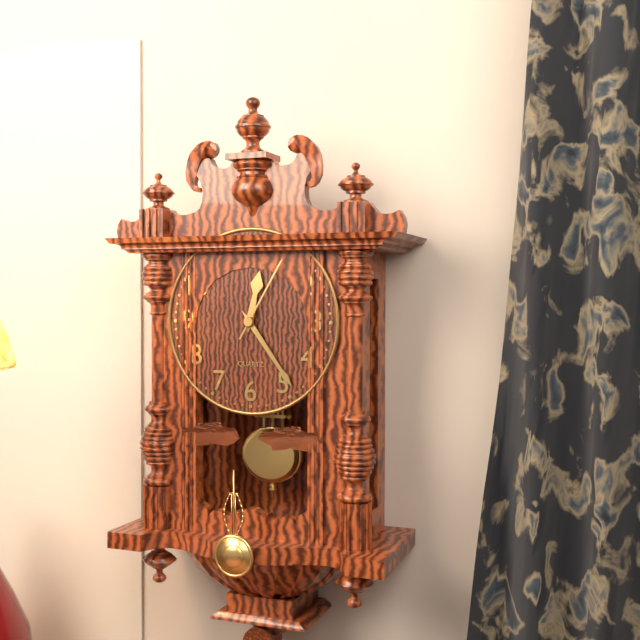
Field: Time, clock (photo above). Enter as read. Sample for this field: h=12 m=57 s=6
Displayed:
h=12 m=24 s=5
